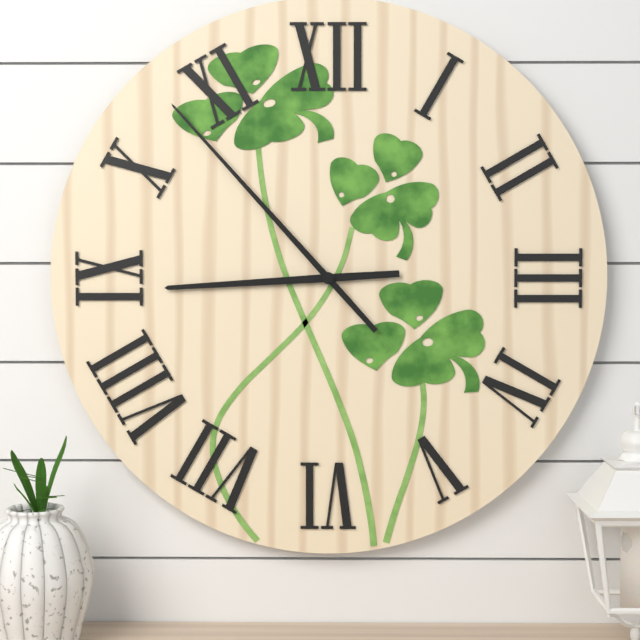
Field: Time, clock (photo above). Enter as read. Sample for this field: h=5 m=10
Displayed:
h=8 m=53
